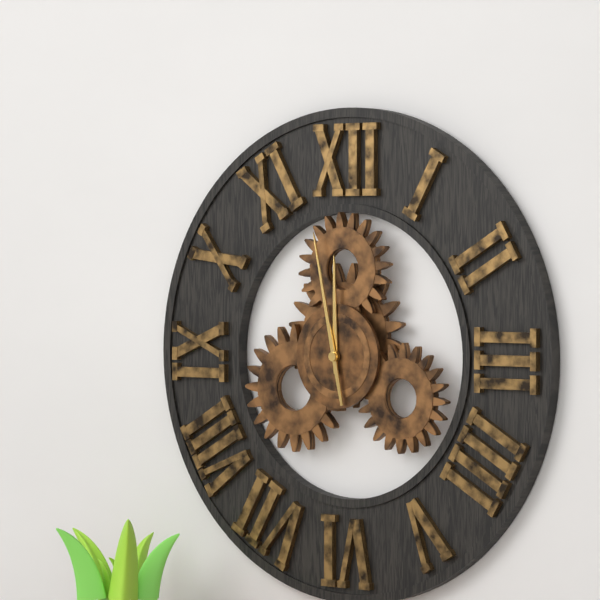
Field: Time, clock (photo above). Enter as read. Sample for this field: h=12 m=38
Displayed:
h=11 m=58
